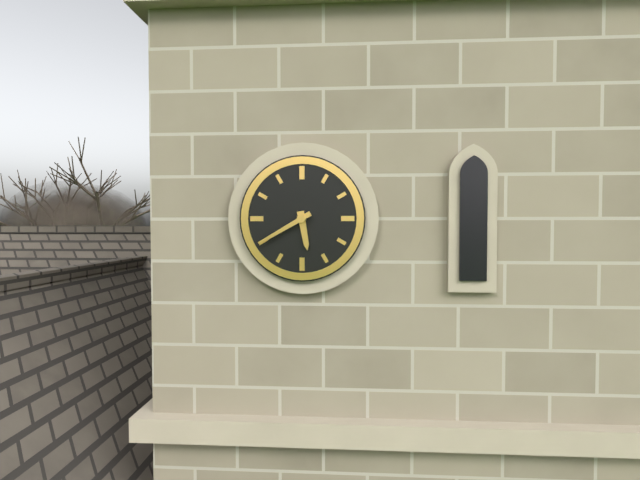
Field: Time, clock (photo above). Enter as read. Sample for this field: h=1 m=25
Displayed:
h=5 m=40
